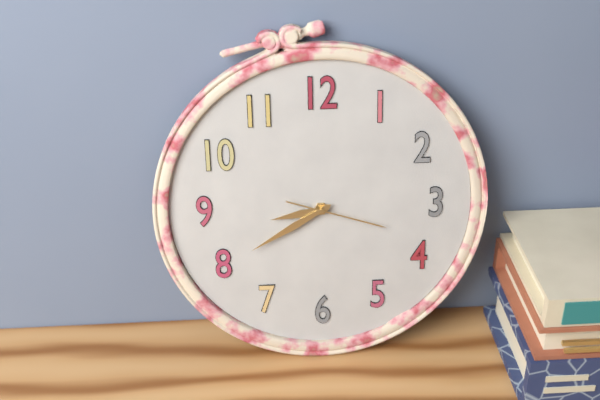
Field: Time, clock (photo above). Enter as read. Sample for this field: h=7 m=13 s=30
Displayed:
h=8 m=40 s=18
